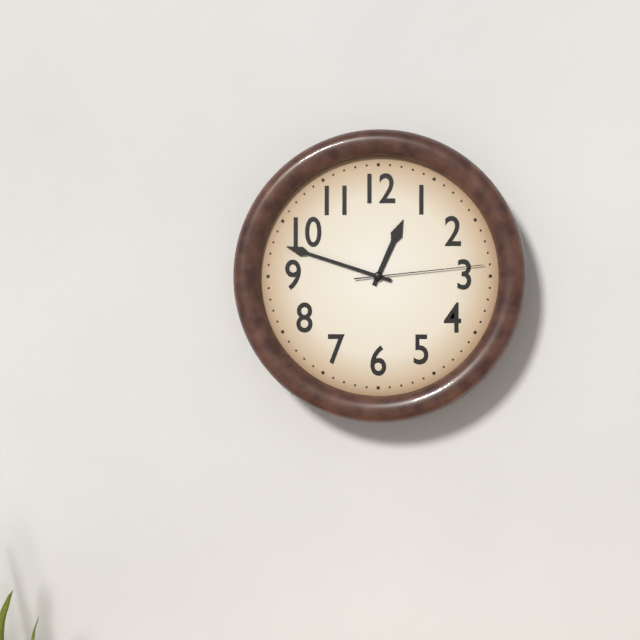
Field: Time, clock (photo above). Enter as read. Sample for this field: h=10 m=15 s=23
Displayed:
h=12 m=48 s=14
